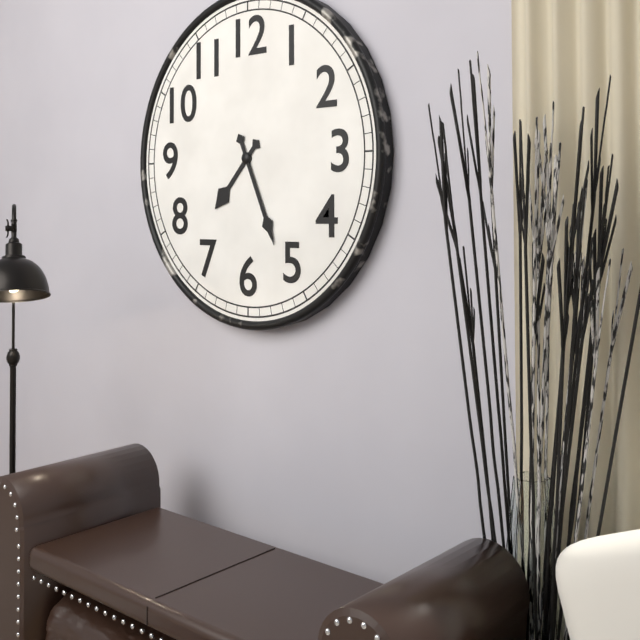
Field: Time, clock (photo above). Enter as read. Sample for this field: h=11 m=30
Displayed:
h=7 m=26
